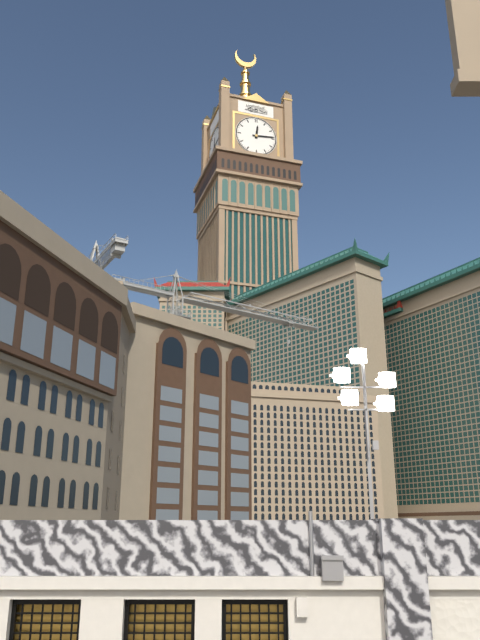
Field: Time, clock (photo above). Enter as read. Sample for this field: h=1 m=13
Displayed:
h=12 m=14
